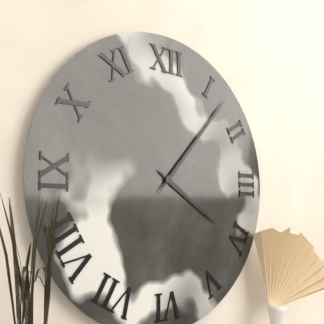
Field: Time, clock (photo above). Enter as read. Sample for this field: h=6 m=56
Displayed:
h=4 m=7
